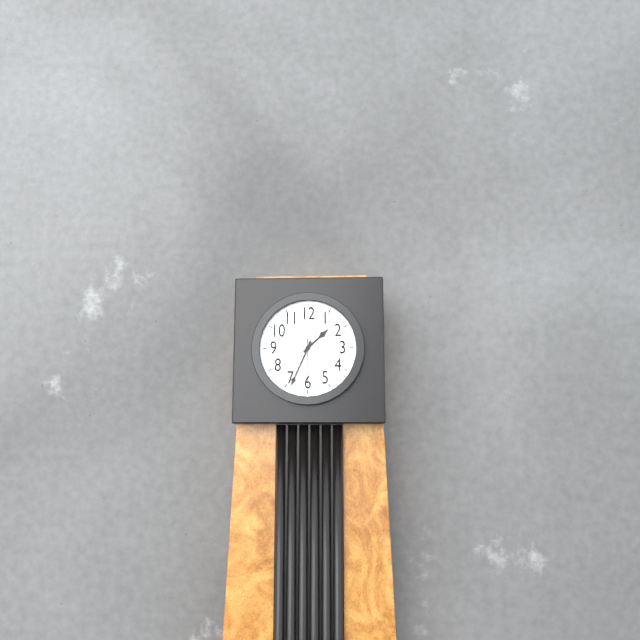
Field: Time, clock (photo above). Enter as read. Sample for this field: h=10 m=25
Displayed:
h=1 m=34
